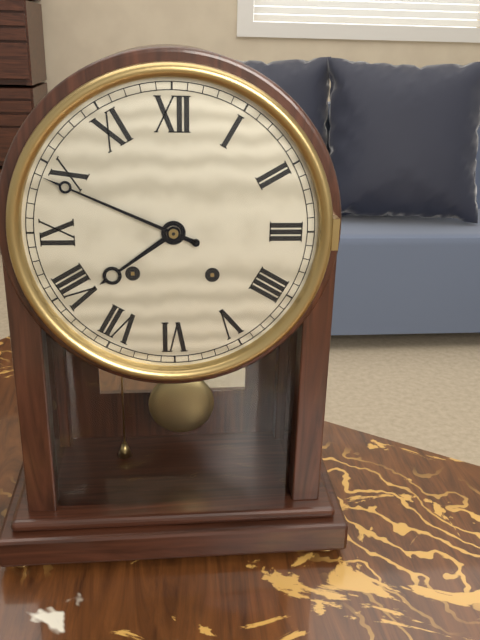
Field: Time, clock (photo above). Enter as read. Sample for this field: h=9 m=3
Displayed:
h=7 m=49
